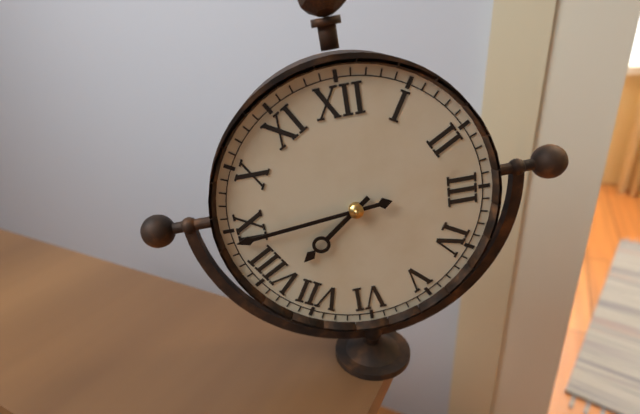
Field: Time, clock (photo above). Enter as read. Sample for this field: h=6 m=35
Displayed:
h=7 m=44
